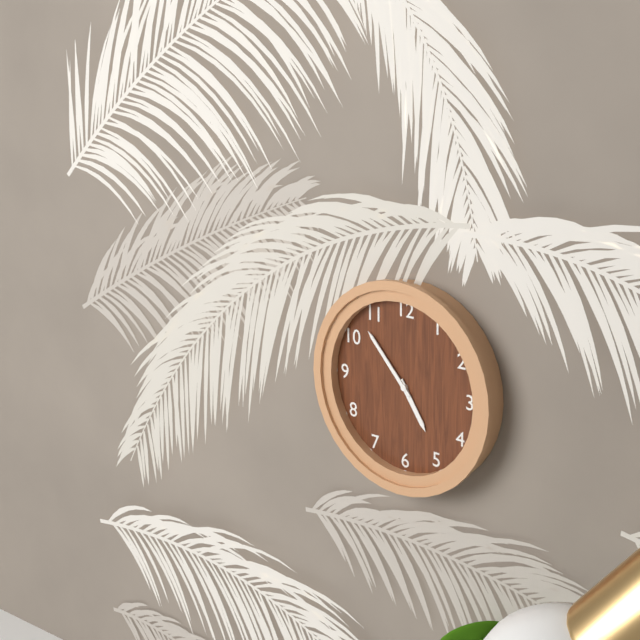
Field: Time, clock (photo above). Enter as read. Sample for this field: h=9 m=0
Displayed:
h=4 m=53
